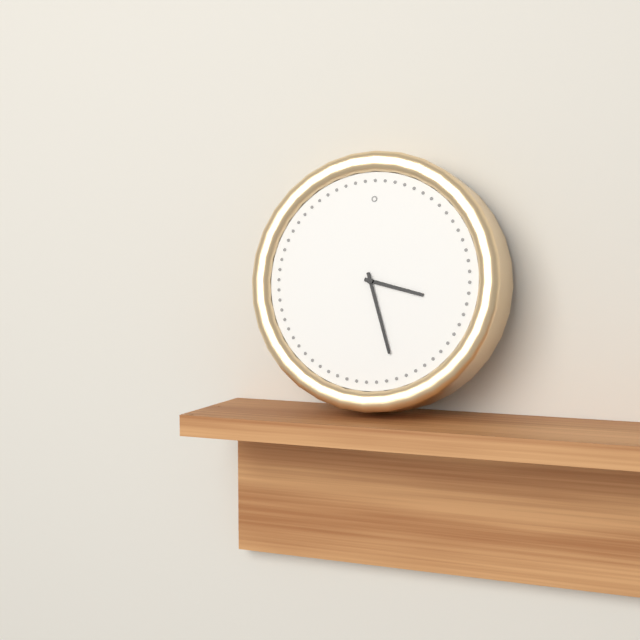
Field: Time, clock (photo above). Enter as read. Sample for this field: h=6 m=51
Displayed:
h=3 m=27
